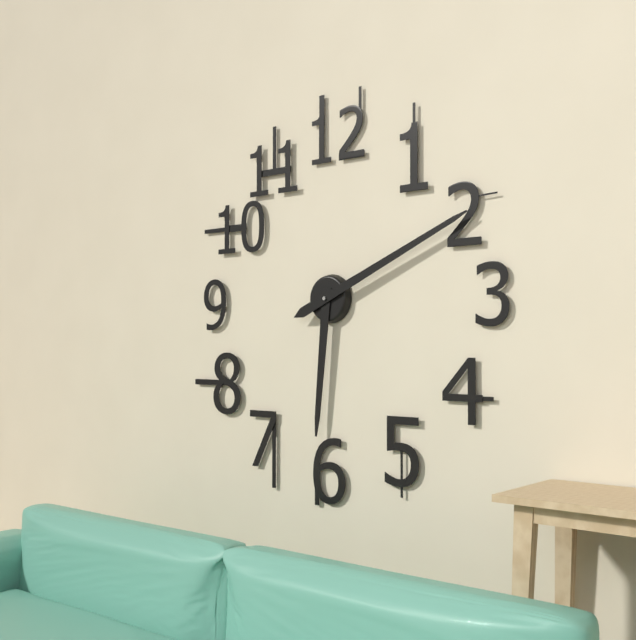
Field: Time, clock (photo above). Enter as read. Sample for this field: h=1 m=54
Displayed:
h=6 m=11
